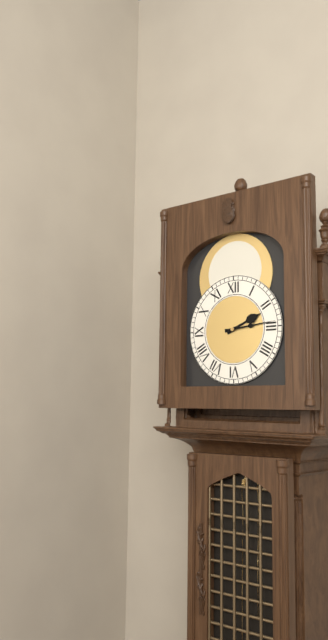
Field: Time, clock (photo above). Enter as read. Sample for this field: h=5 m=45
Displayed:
h=2 m=14
